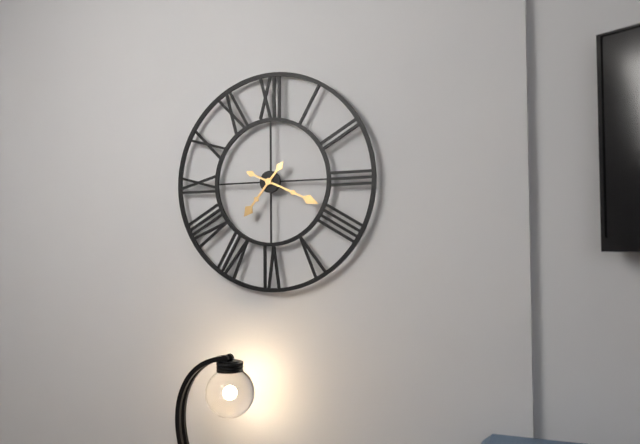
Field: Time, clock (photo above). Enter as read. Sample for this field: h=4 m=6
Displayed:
h=7 m=19
